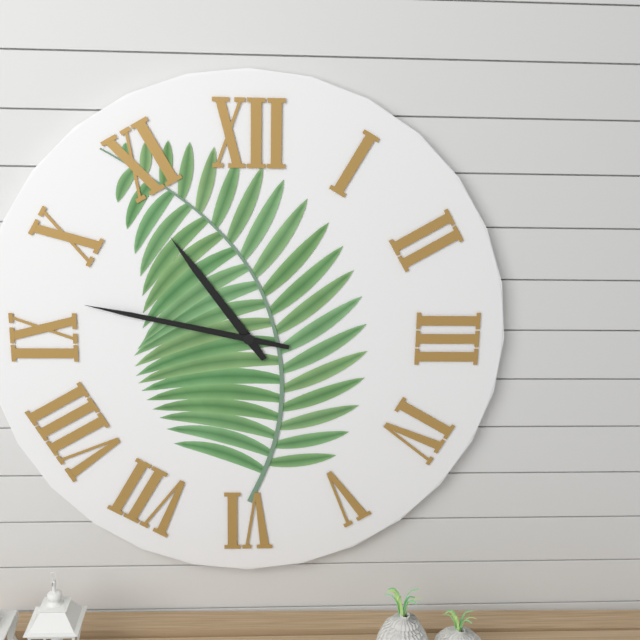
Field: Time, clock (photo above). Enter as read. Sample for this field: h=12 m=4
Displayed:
h=10 m=47
